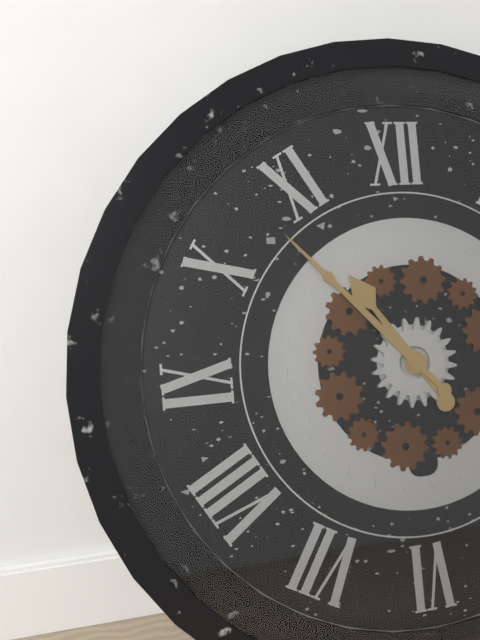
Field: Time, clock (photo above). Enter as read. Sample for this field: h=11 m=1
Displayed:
h=10 m=53
